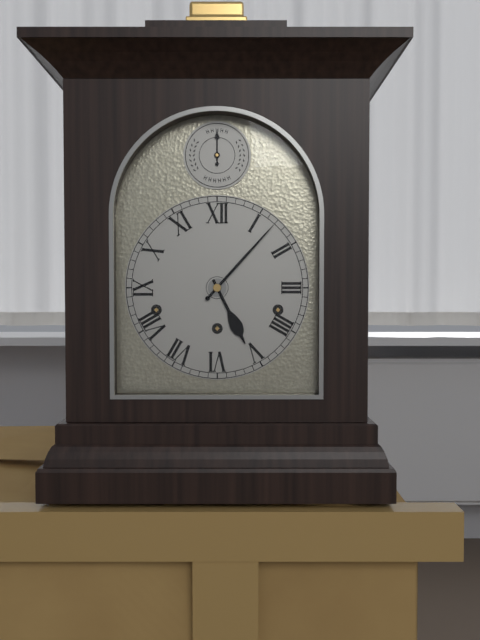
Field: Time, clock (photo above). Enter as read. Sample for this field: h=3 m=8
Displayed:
h=5 m=7
